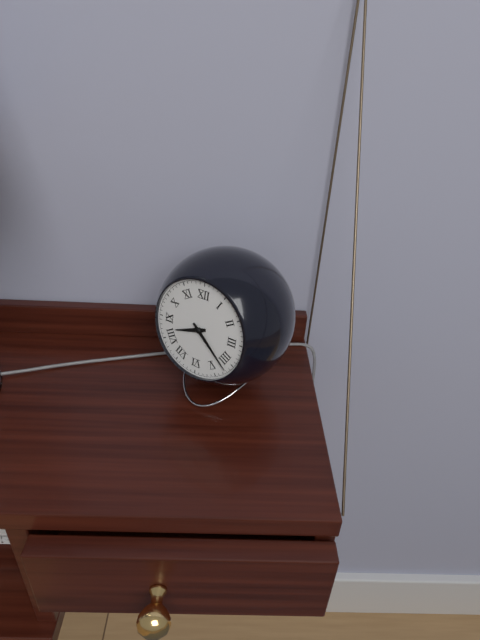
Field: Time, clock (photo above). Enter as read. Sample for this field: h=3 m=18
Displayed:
h=8 m=22
